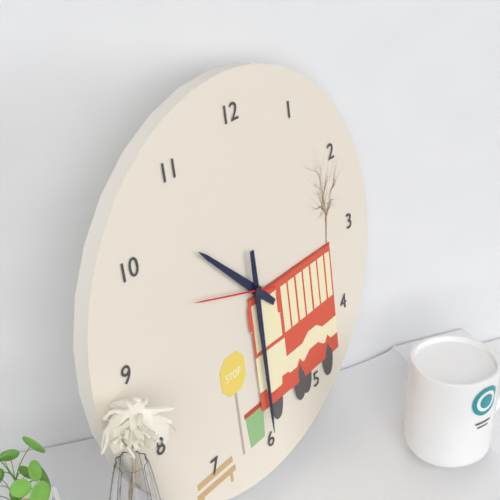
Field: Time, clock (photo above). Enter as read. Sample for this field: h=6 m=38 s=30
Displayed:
h=10 m=30 s=48
